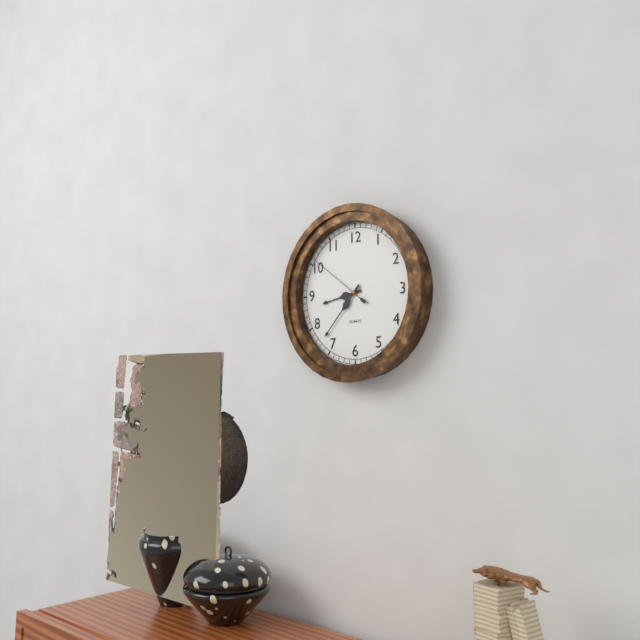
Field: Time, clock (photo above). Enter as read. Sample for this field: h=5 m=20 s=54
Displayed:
h=8 m=37 s=51
